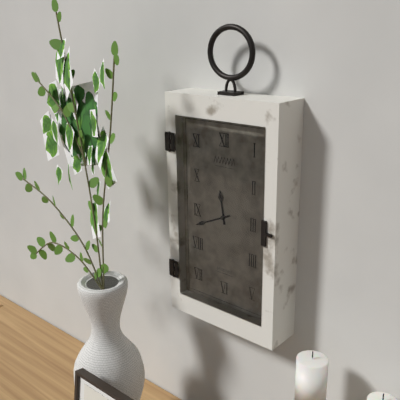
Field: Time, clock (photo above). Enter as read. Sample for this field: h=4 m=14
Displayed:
h=11 m=41
